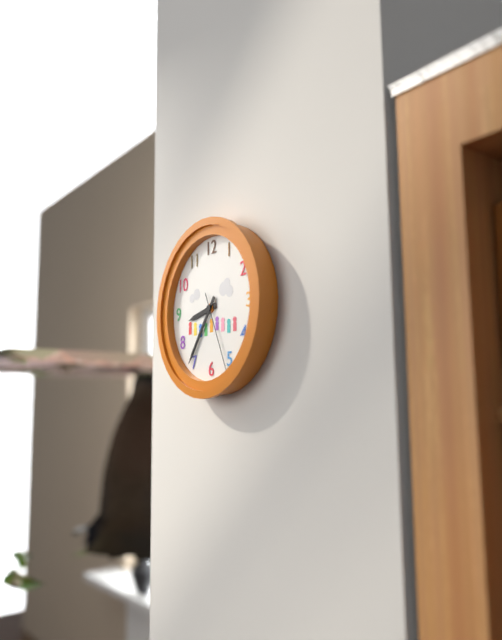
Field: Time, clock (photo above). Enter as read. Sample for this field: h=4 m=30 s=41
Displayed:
h=8 m=36 s=26
